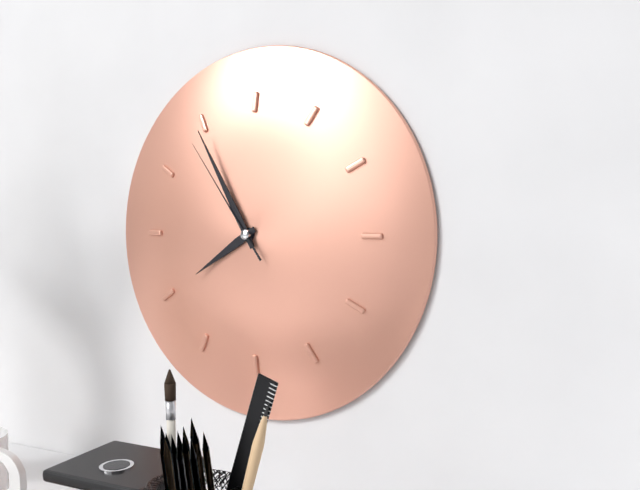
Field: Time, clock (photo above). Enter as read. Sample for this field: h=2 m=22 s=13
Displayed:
h=7 m=55 s=54
